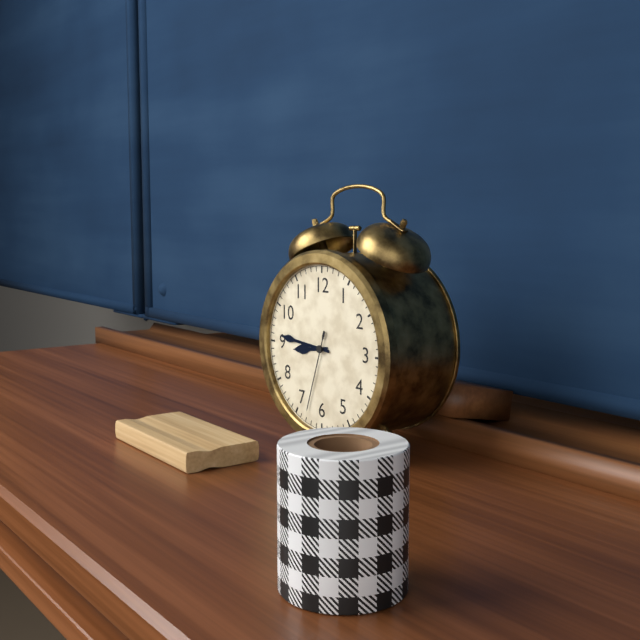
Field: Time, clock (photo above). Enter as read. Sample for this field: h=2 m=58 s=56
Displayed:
h=8 m=46 s=33
